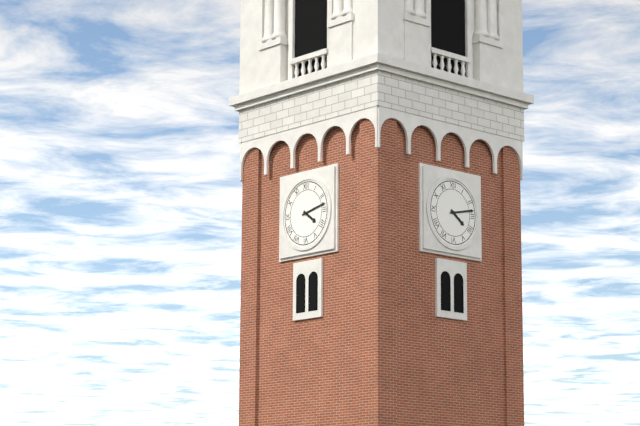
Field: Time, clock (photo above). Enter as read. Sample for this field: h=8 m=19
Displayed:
h=4 m=13
